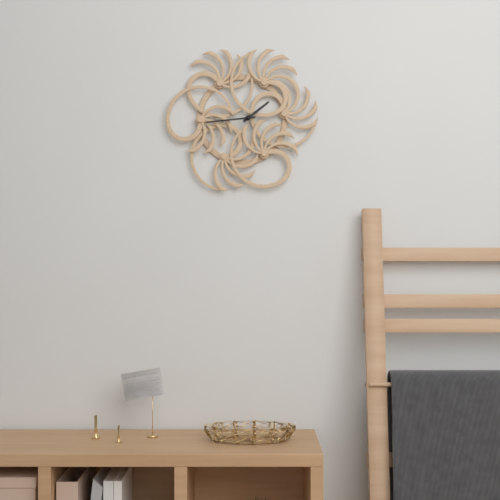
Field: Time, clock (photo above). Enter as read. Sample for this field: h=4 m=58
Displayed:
h=1 m=44
